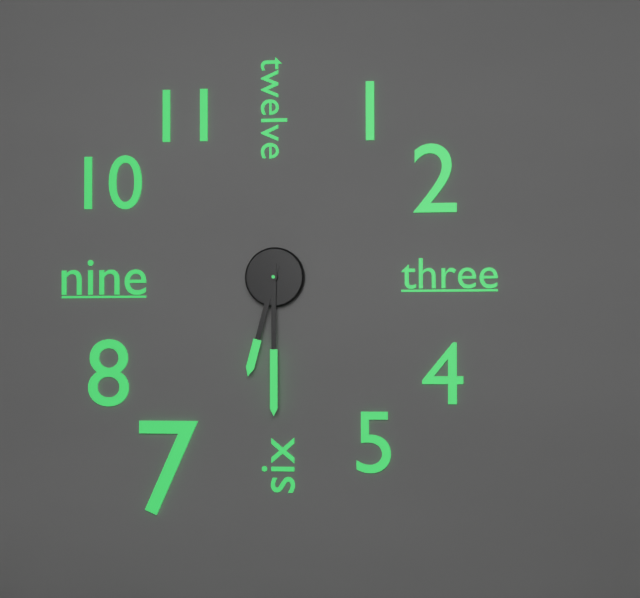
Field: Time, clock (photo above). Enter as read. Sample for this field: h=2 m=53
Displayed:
h=6 m=30
